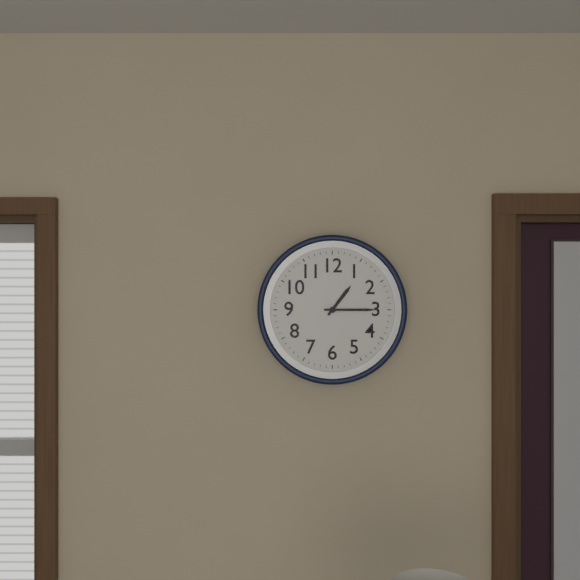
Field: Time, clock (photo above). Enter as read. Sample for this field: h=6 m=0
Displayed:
h=1 m=15
